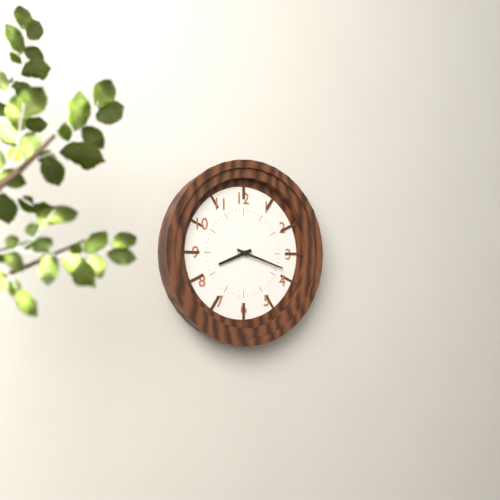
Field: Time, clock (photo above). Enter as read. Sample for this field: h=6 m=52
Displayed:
h=8 m=18
